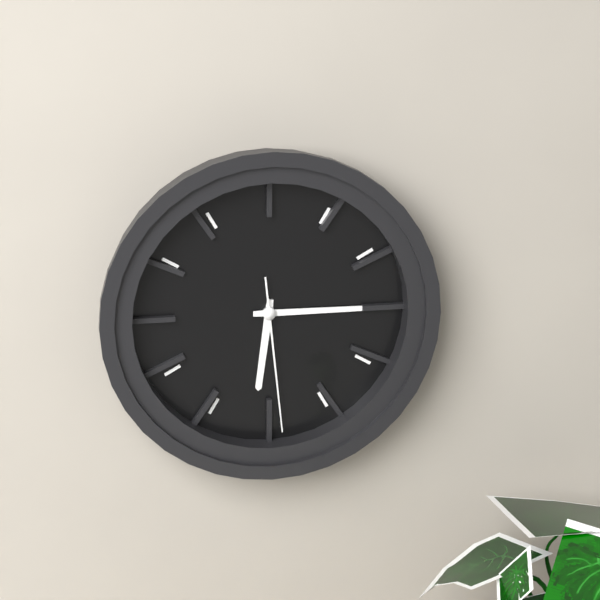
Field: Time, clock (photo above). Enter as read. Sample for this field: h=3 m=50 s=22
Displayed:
h=6 m=15 s=29
